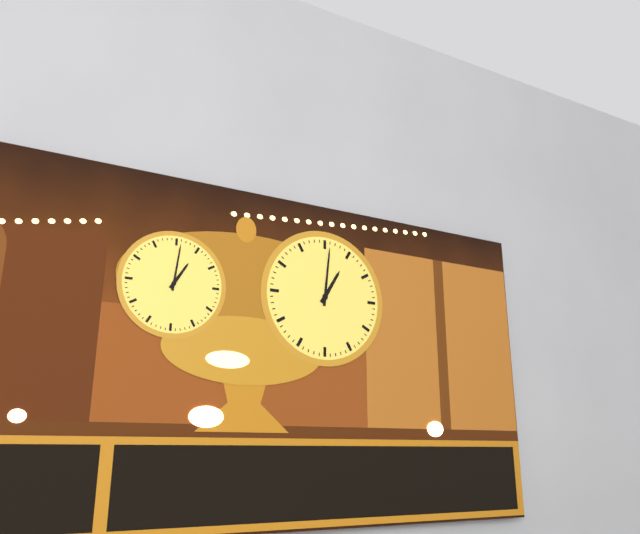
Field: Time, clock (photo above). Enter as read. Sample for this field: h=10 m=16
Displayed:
h=1 m=1
